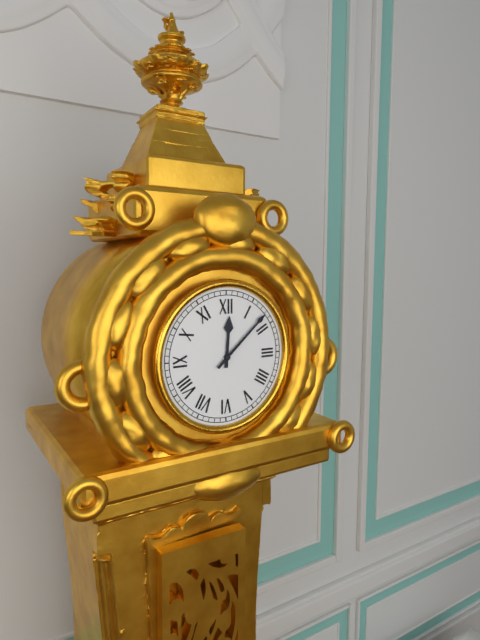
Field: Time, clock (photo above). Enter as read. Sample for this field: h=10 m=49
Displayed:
h=12 m=8
